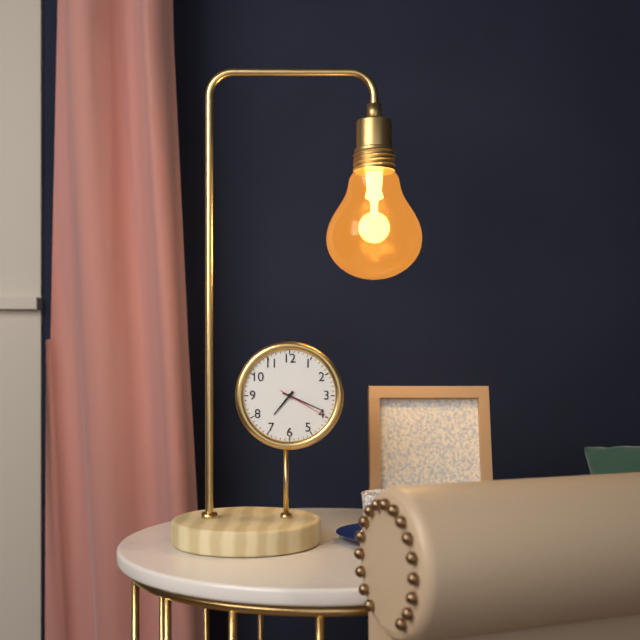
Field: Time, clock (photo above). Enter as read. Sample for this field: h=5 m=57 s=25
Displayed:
h=7 m=19 s=20
